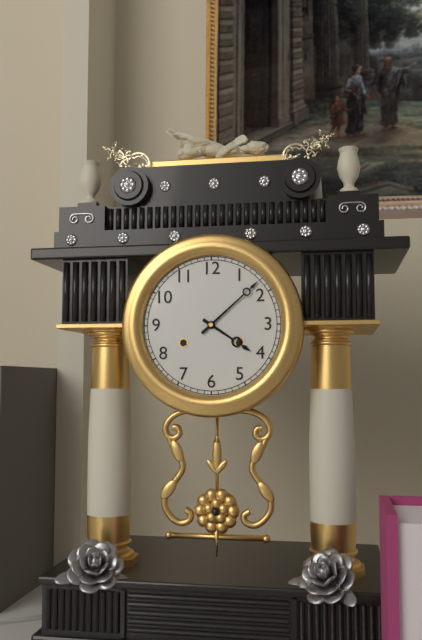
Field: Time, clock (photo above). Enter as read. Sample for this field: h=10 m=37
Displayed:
h=4 m=8
